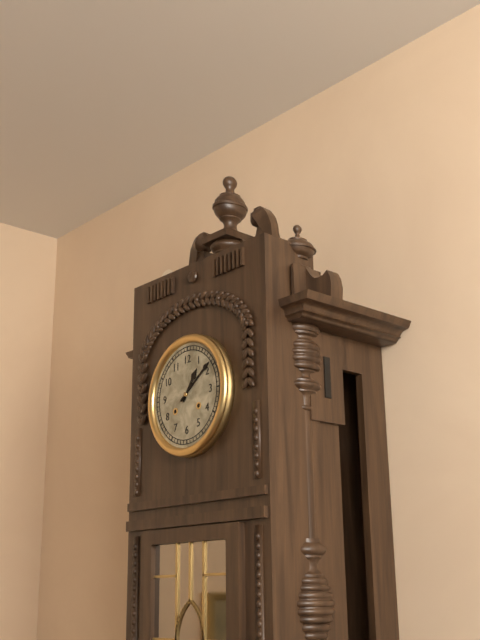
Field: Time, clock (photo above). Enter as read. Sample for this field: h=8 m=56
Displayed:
h=1 m=9
